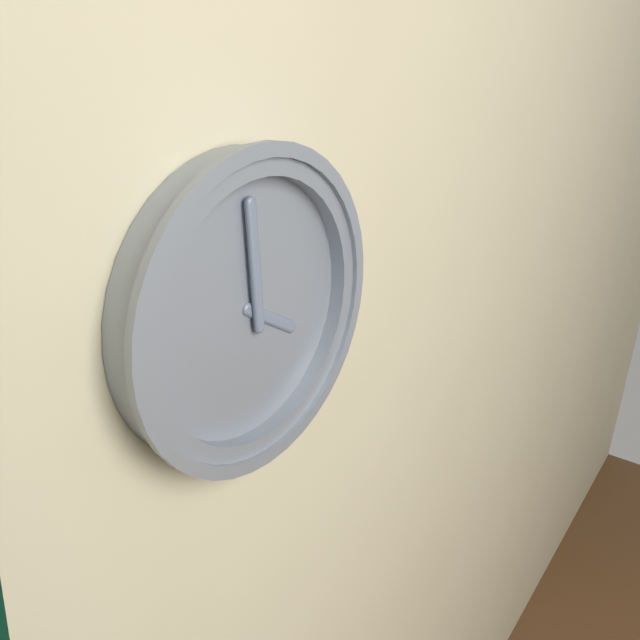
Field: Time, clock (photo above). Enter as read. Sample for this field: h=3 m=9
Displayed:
h=3 m=59
